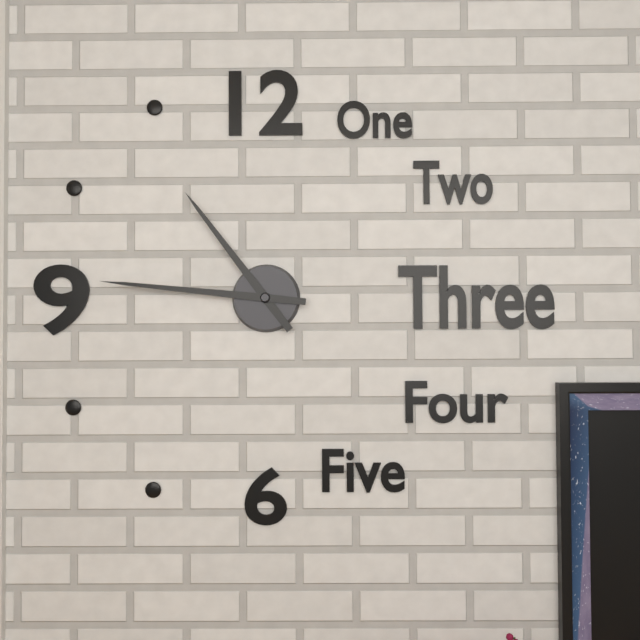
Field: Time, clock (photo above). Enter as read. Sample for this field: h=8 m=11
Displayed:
h=10 m=46
